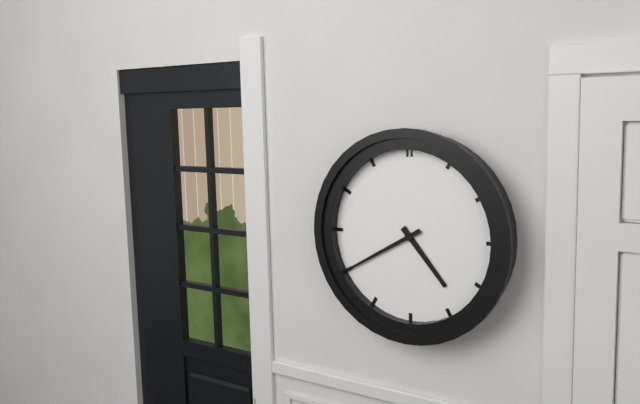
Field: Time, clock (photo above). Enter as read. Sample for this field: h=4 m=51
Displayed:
h=4 m=40
